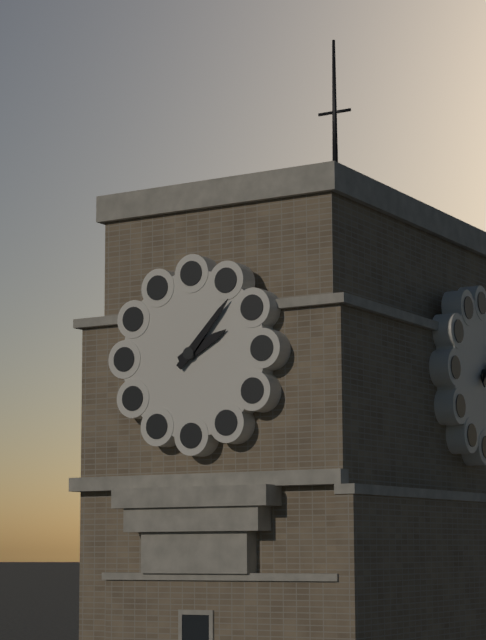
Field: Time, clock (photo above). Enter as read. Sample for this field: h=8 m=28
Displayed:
h=2 m=7
